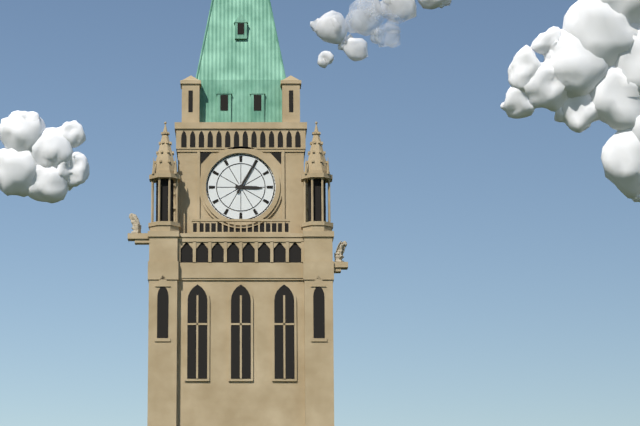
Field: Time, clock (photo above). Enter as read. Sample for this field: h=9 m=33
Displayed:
h=3 m=5
